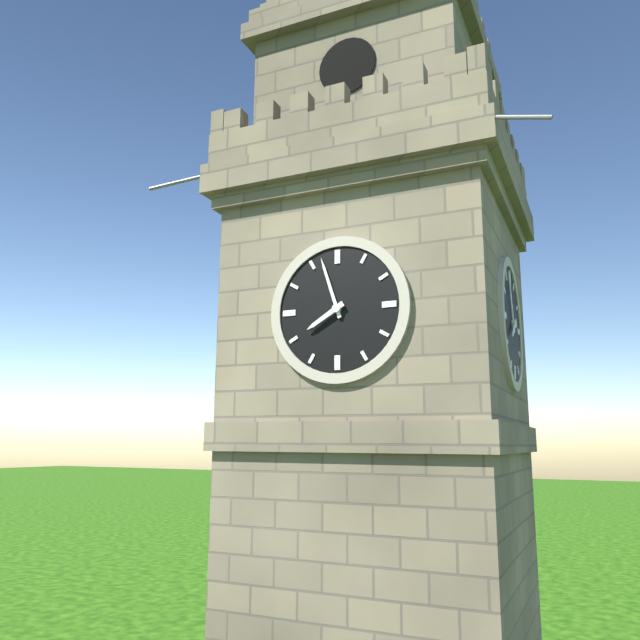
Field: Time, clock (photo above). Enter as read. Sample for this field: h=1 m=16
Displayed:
h=7 m=57
